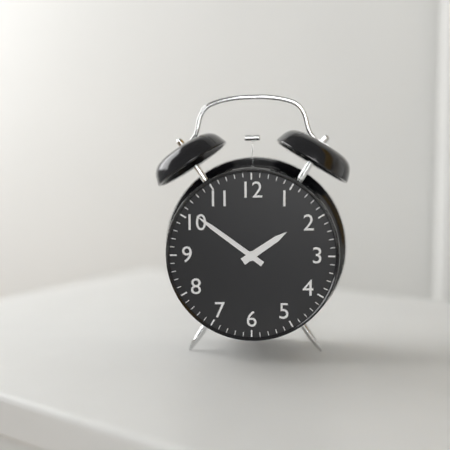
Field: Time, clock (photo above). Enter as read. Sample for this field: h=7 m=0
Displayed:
h=1 m=51
